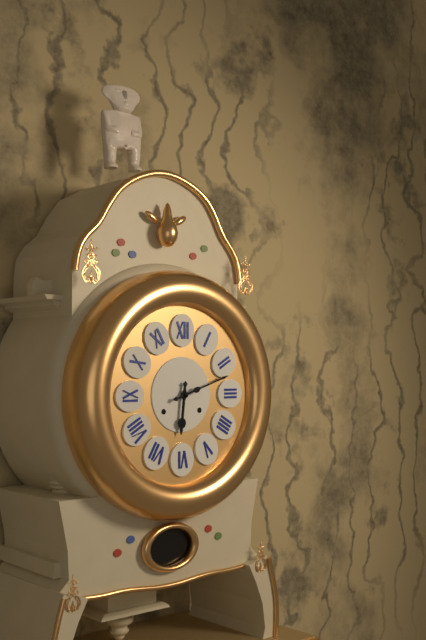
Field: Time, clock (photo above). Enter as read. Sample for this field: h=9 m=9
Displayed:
h=6 m=12
